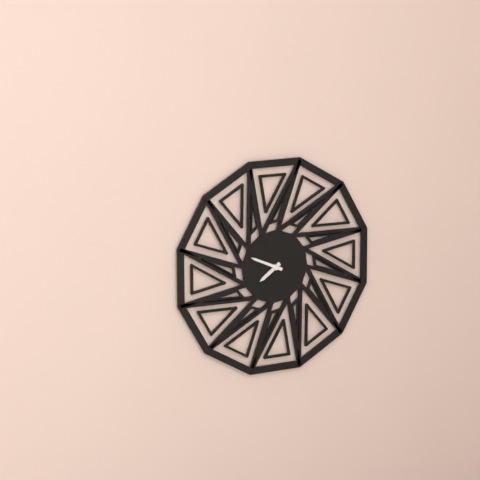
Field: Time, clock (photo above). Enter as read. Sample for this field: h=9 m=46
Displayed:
h=7 m=49
